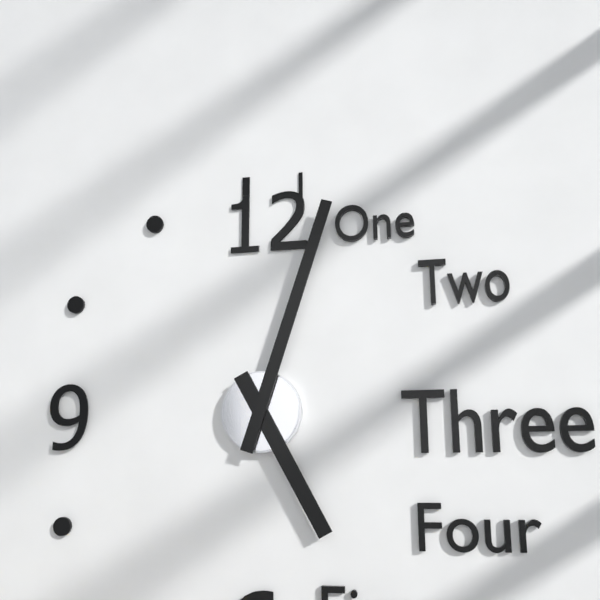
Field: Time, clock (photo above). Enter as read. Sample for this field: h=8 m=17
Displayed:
h=5 m=3
